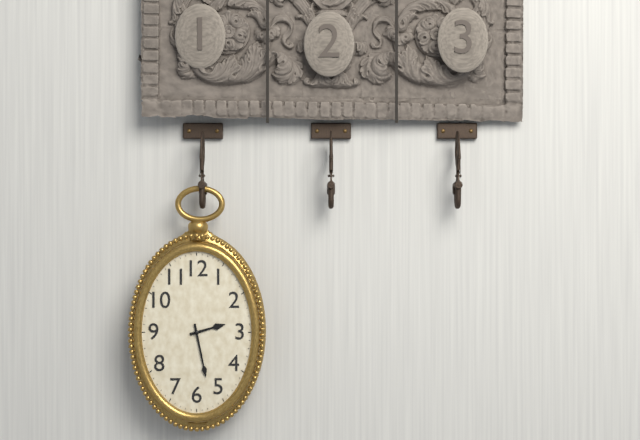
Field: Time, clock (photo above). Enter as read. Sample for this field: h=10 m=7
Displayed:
h=2 m=28
